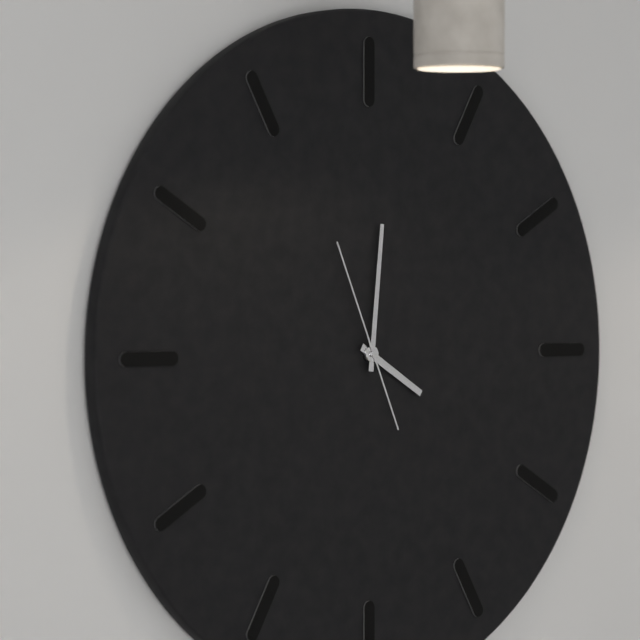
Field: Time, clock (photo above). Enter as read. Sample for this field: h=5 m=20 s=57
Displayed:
h=4 m=1 s=56
